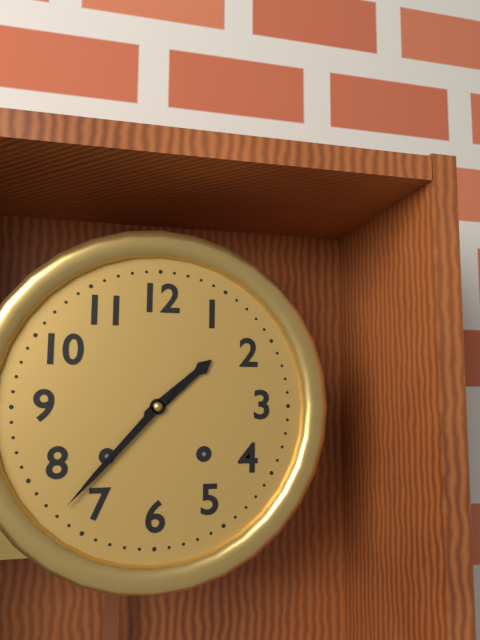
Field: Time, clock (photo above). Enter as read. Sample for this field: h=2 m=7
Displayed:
h=1 m=37
